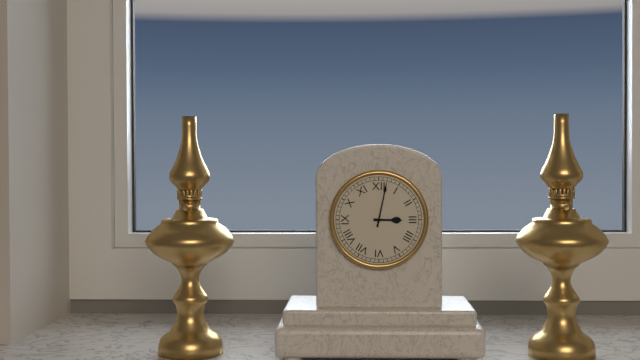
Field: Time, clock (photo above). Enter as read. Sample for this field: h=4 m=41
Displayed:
h=3 m=2
